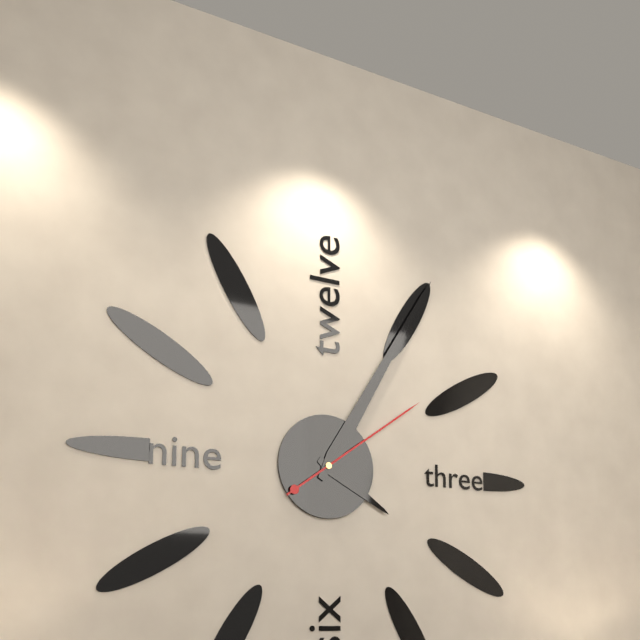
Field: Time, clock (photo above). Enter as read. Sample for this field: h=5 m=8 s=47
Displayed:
h=4 m=5 s=9
